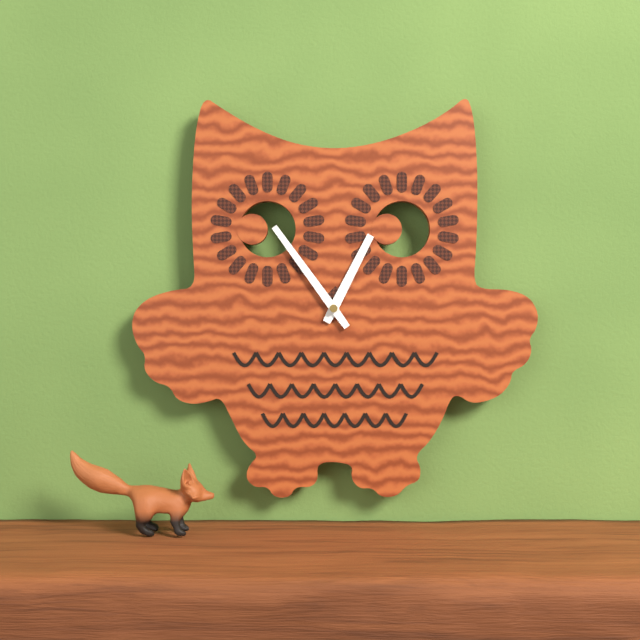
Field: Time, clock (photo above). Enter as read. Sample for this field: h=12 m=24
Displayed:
h=12 m=54
